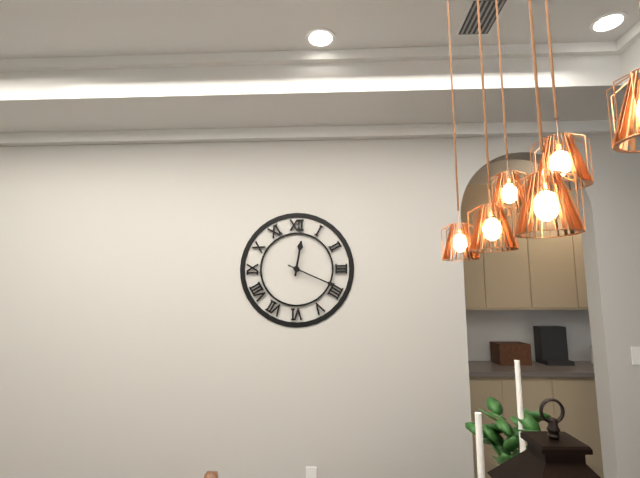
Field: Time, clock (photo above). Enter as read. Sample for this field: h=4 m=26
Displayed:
h=12 m=19
